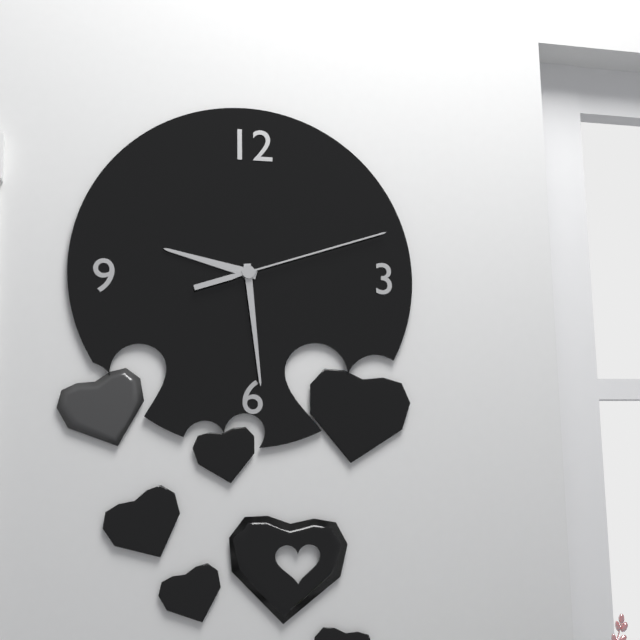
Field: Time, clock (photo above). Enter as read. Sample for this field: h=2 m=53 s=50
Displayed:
h=9 m=29 s=12
